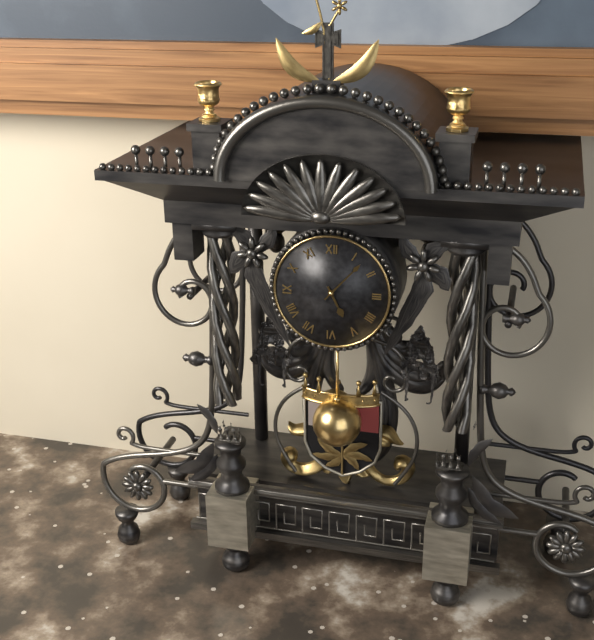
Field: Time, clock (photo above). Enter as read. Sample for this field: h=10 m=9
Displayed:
h=5 m=7
